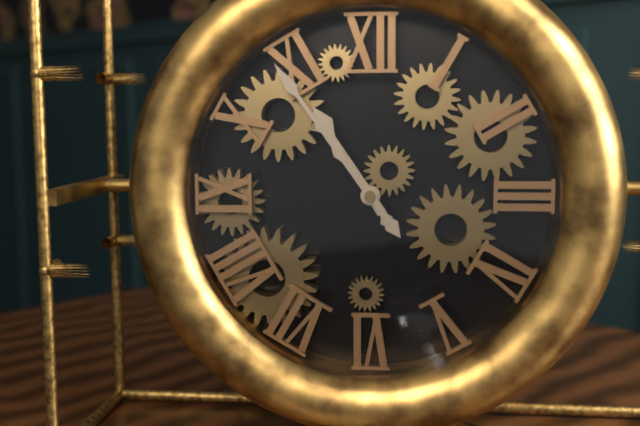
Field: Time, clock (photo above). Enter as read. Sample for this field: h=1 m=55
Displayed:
h=10 m=54
